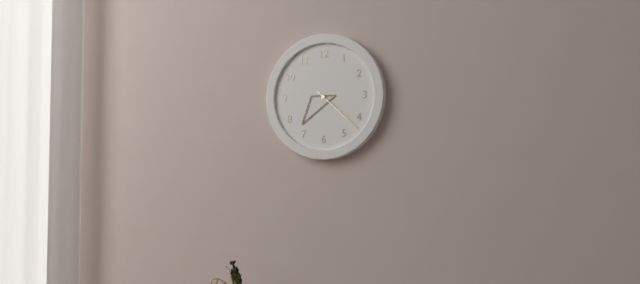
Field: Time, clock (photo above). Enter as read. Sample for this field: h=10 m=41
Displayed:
h=7 m=22
